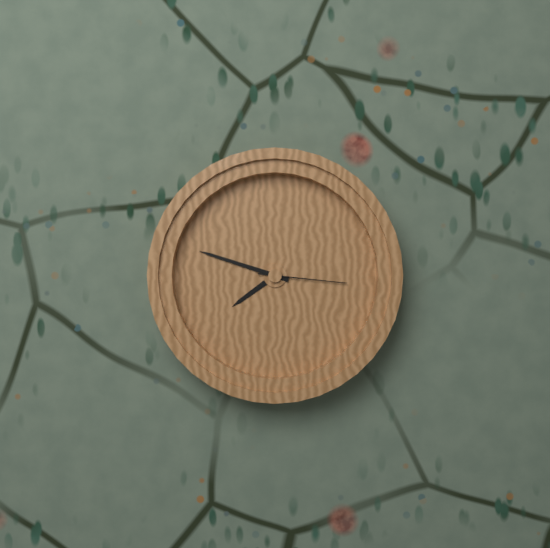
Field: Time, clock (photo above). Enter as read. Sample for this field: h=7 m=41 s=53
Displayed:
h=7 m=48 s=16
